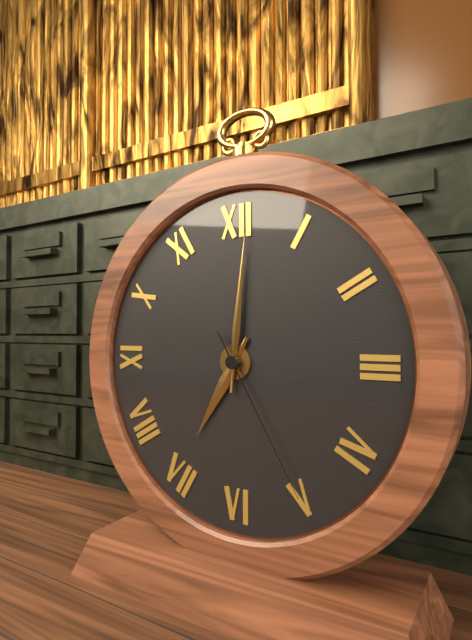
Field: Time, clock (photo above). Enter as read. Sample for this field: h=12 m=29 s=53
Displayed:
h=7 m=1 s=25
